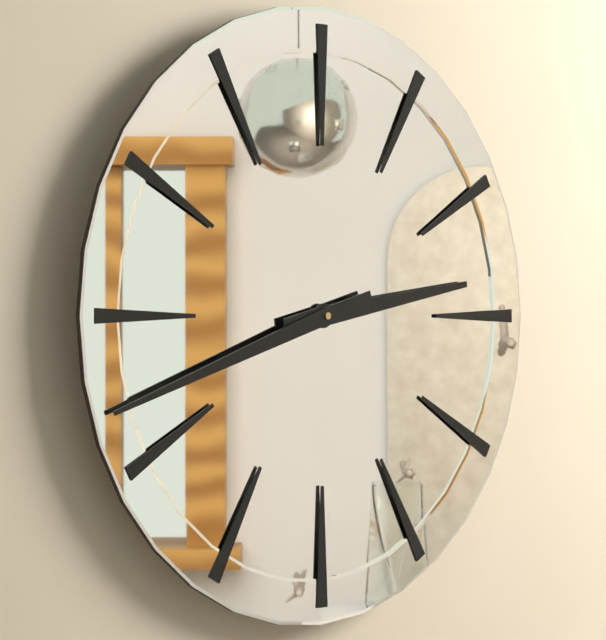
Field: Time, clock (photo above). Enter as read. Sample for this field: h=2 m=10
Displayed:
h=2 m=42
